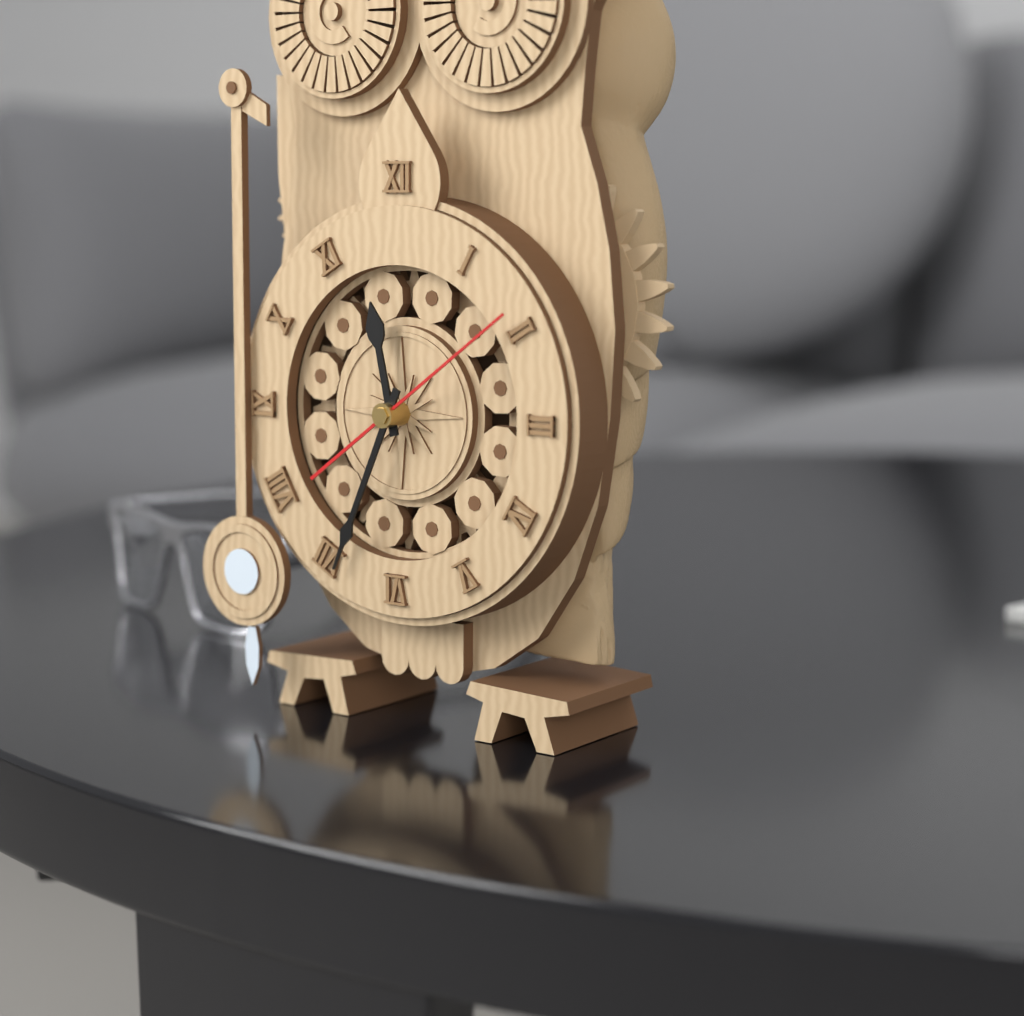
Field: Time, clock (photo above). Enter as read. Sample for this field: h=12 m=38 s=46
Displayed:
h=11 m=34 s=9
